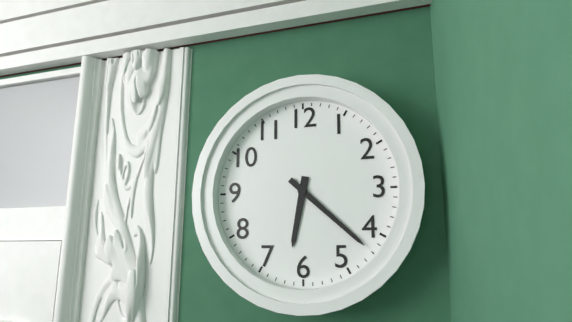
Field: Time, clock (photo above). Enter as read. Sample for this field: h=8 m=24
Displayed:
h=6 m=22
